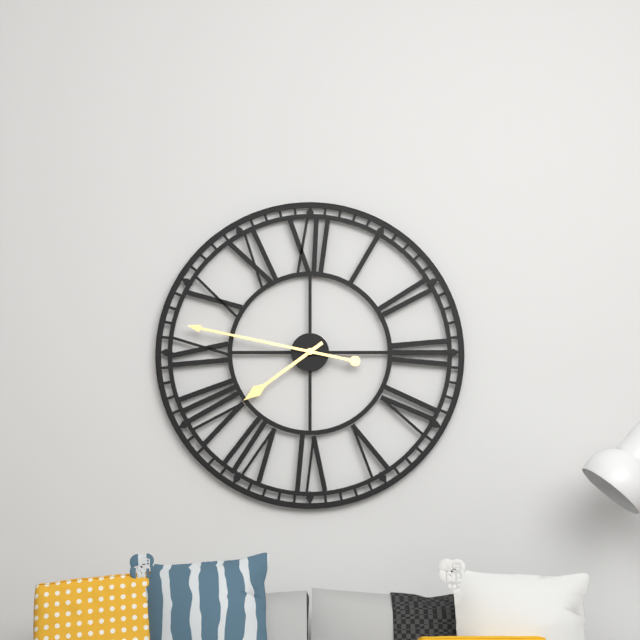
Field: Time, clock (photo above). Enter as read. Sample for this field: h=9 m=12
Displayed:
h=7 m=47
